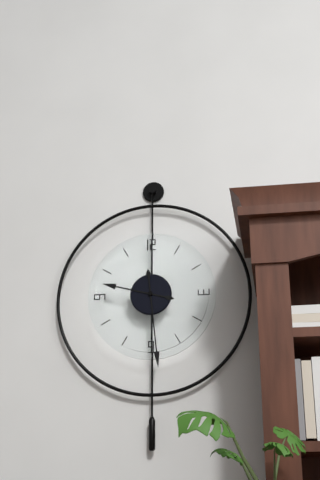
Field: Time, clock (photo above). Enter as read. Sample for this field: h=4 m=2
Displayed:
h=9 m=29
